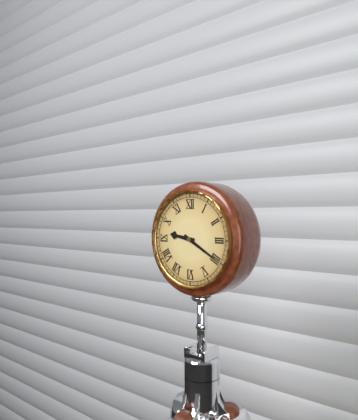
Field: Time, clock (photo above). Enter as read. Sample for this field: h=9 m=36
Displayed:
h=9 m=20
